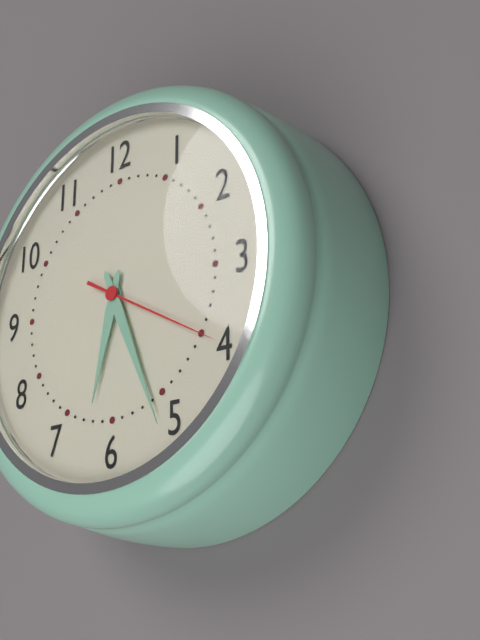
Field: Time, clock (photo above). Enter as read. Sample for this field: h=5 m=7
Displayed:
h=6 m=26
